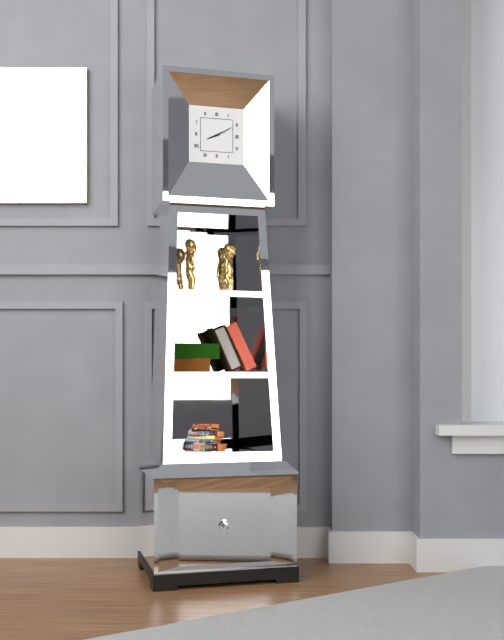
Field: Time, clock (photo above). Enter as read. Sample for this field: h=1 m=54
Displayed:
h=8 m=10
